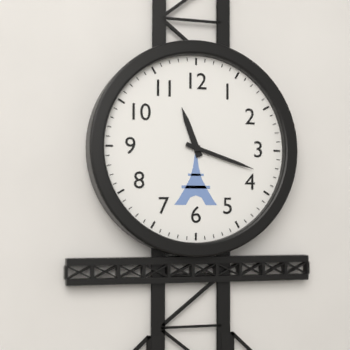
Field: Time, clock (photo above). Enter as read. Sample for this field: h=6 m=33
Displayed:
h=11 m=18
